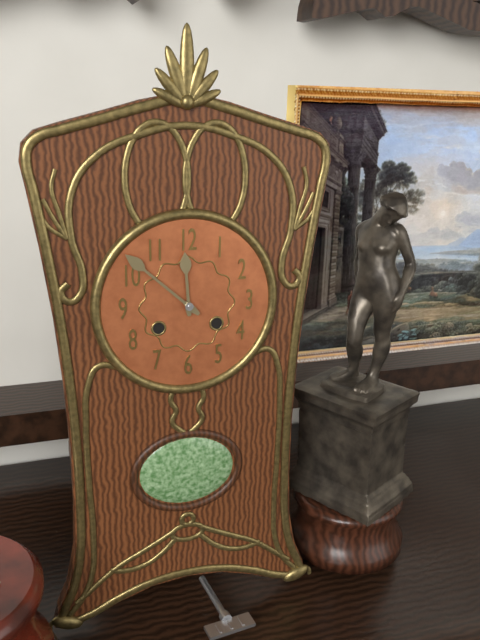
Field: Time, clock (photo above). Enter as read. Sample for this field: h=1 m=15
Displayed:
h=11 m=52
